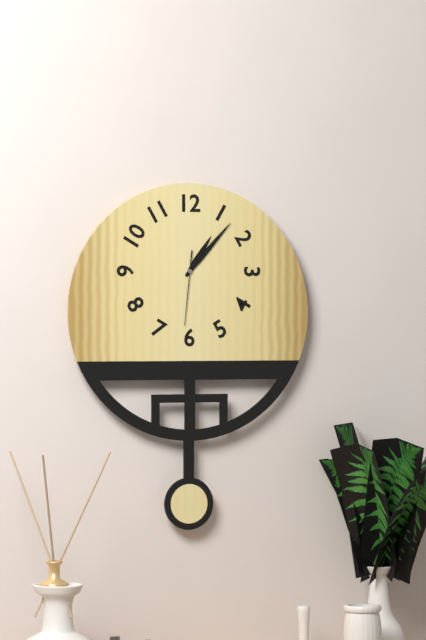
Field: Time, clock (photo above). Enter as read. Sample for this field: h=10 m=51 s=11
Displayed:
h=1 m=7 s=31
